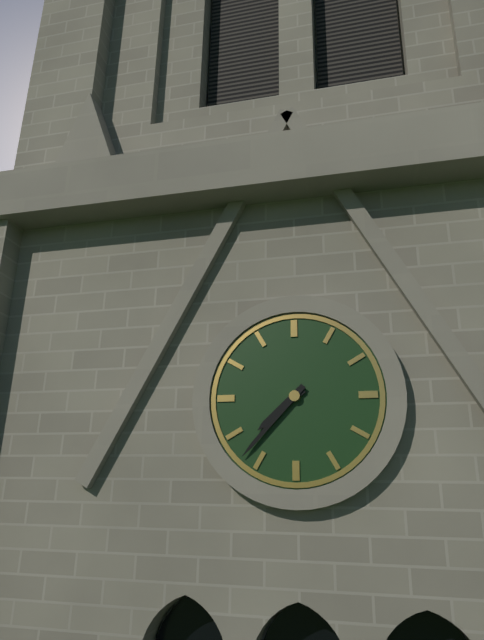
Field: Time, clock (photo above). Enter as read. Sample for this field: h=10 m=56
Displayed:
h=7 m=37
